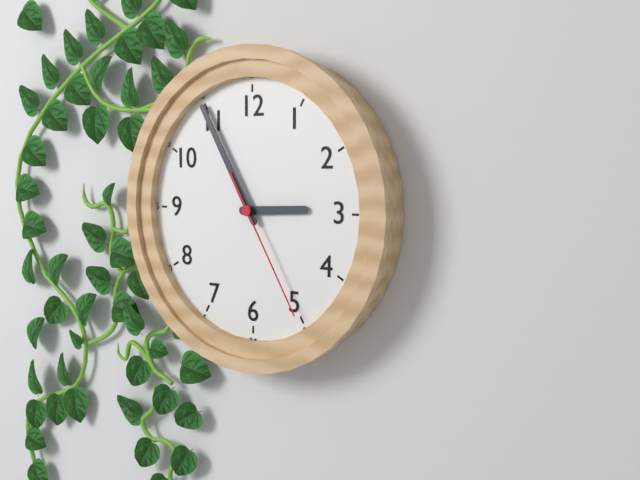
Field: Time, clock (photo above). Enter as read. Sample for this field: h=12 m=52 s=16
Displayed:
h=2 m=55 s=25
